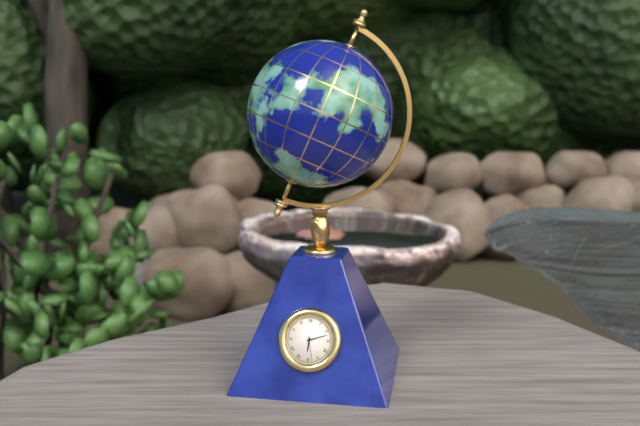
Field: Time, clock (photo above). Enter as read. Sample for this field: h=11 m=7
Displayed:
h=6 m=12
